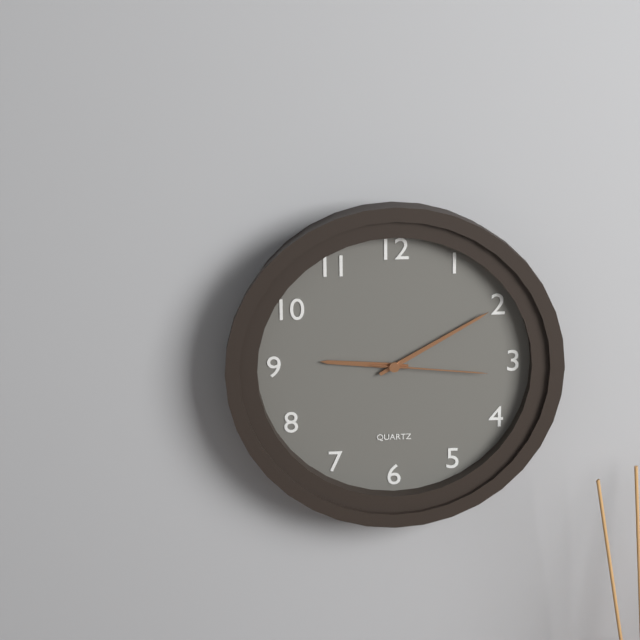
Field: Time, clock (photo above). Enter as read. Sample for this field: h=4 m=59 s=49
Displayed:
h=9 m=10 s=16
